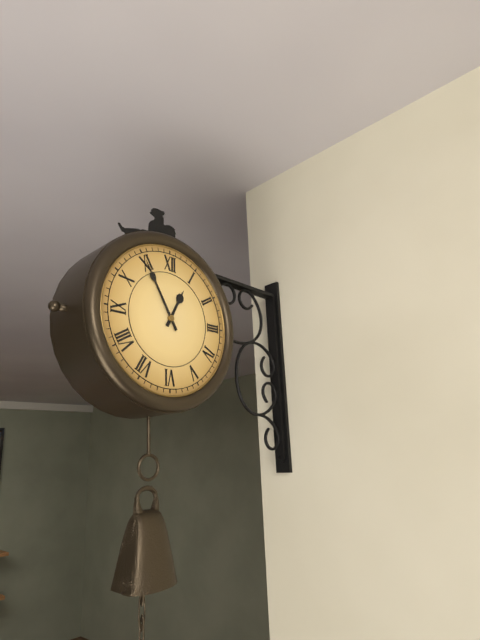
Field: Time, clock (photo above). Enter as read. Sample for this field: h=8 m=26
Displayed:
h=12 m=55
